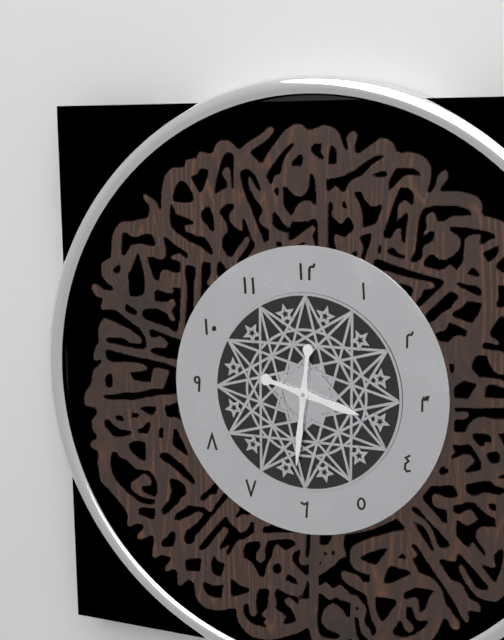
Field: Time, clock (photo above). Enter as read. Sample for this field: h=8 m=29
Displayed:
h=3 m=31
